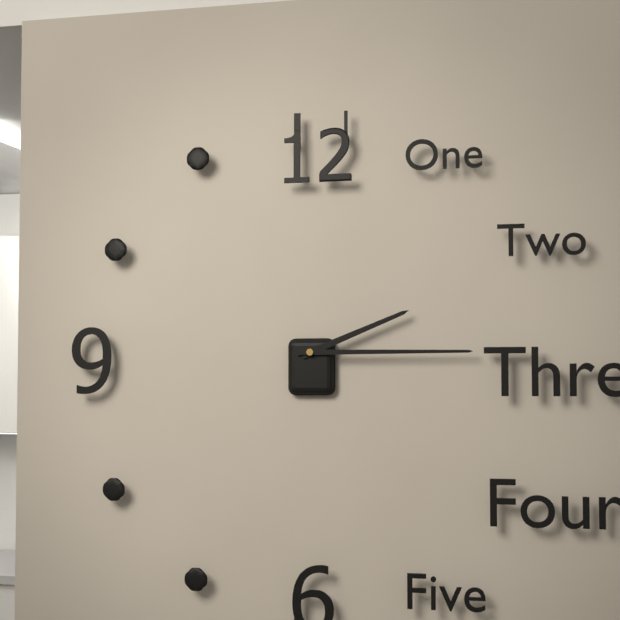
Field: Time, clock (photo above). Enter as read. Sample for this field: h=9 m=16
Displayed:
h=2 m=15
